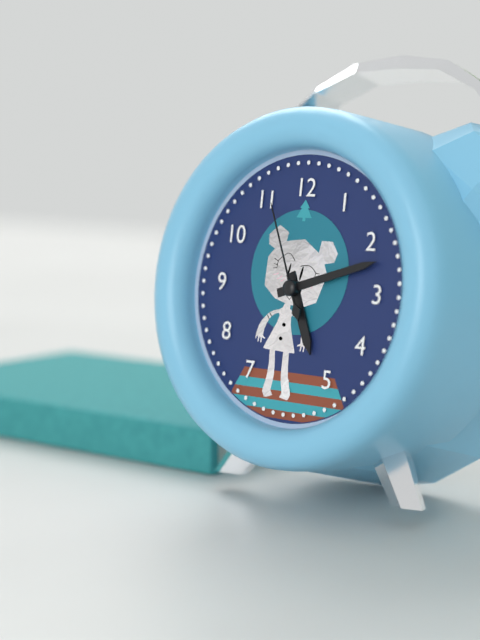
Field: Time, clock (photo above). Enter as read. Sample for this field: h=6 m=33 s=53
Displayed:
h=5 m=12 s=56
